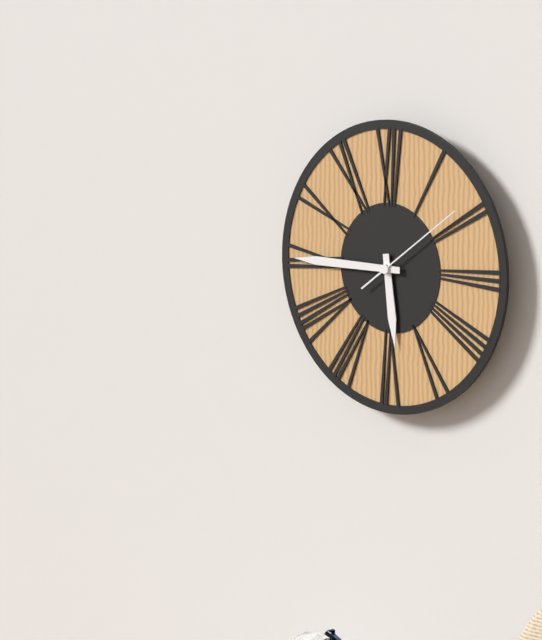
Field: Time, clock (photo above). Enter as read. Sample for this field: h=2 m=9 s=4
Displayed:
h=5 m=45 s=9
